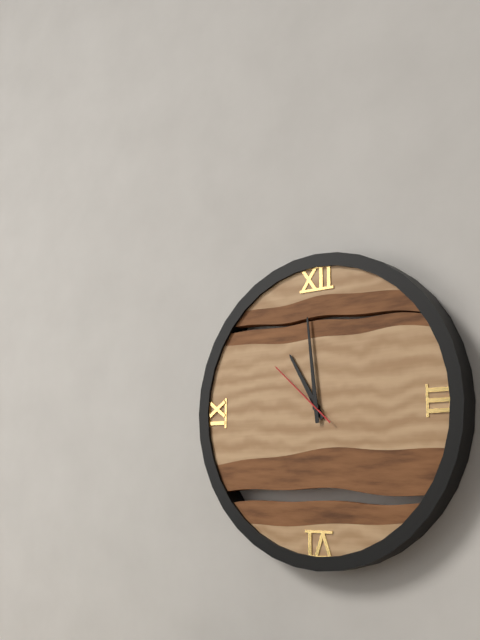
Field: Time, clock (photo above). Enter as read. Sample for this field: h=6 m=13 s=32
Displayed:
h=10 m=59 s=52
